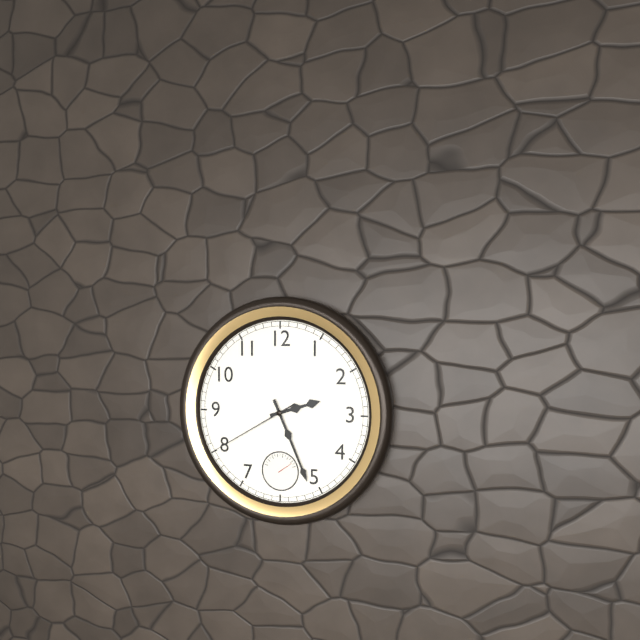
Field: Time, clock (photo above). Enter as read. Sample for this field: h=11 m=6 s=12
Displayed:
h=2 m=26 s=40
